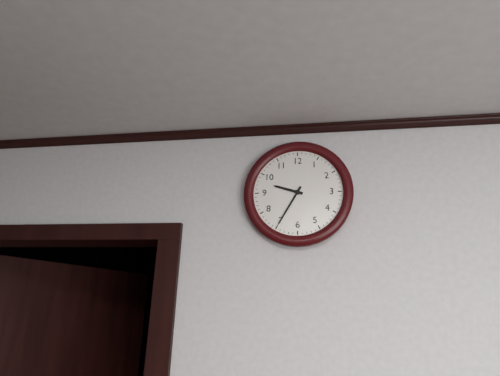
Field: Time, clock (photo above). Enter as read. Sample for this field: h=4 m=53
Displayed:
h=9 m=35
